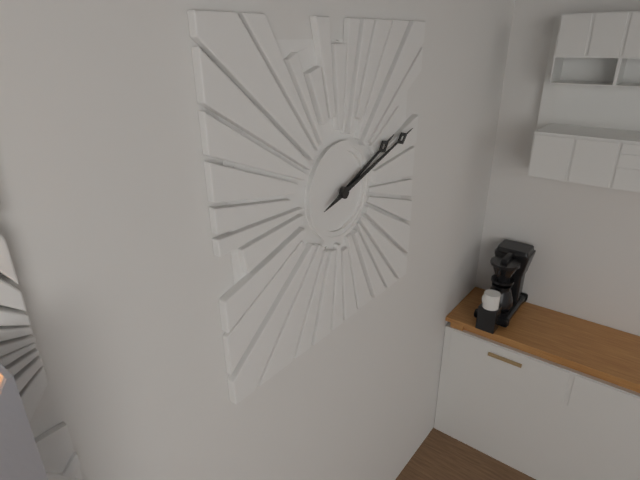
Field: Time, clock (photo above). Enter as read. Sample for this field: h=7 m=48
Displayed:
h=2 m=12
